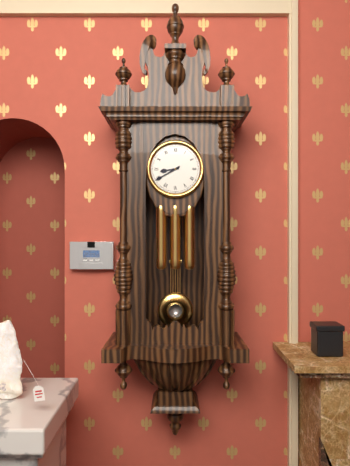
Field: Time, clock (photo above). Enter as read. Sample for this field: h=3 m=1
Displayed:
h=8 m=40
